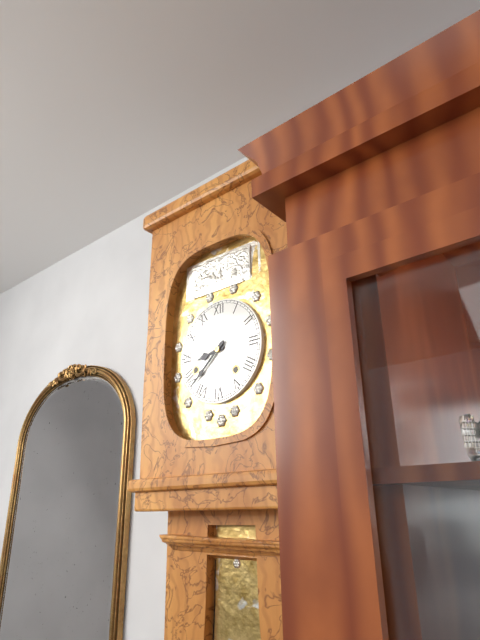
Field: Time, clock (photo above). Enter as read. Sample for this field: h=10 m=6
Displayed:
h=8 m=38
